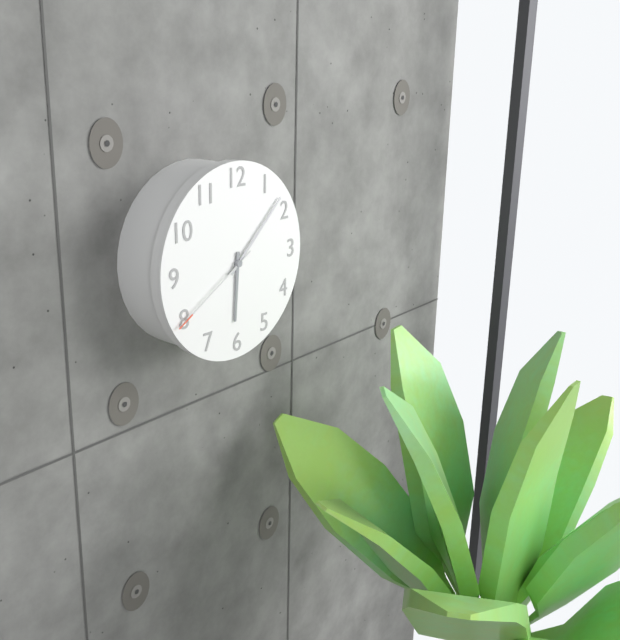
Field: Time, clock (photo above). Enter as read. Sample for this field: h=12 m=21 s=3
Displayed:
h=6 m=8 s=40
